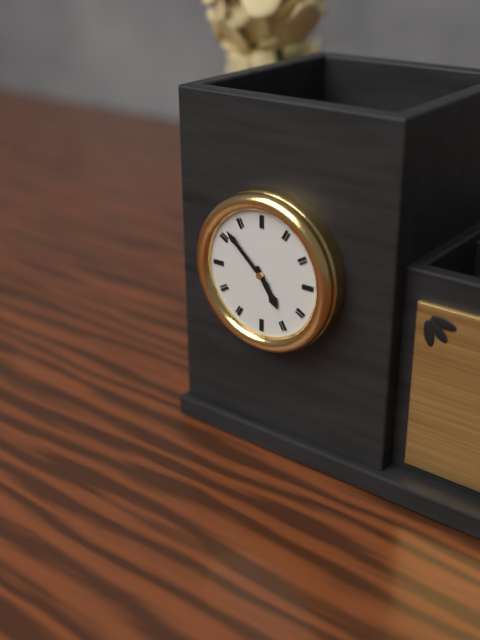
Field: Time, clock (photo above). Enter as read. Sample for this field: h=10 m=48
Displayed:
h=4 m=52
